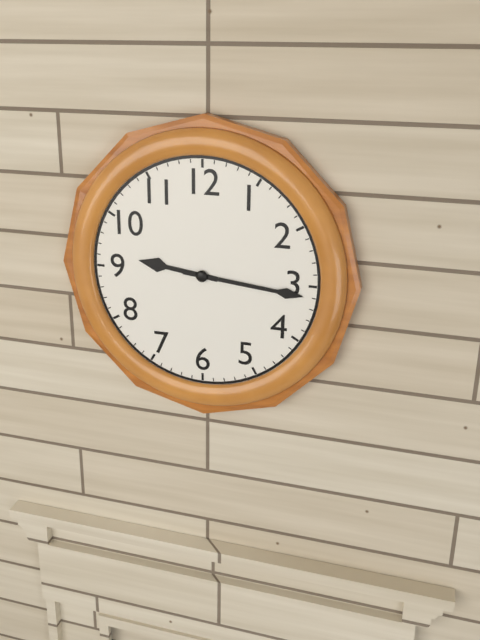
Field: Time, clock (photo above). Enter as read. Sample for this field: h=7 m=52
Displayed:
h=9 m=16
